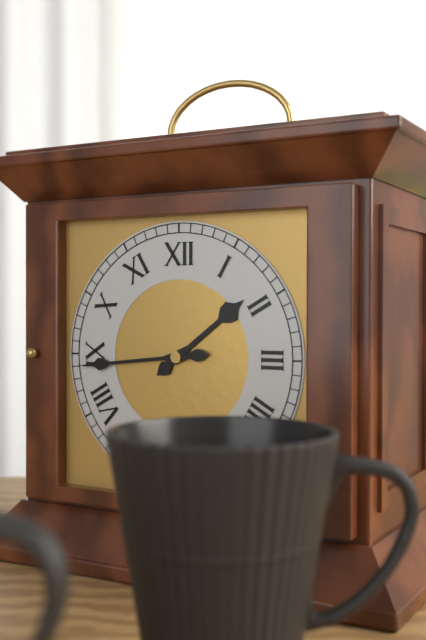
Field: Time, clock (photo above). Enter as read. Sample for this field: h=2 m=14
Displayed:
h=1 m=44
